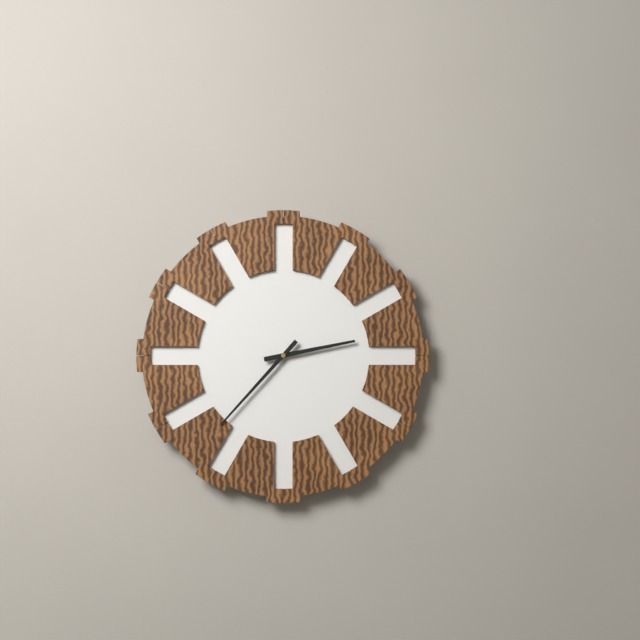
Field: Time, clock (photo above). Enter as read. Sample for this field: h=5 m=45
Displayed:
h=2 m=37
